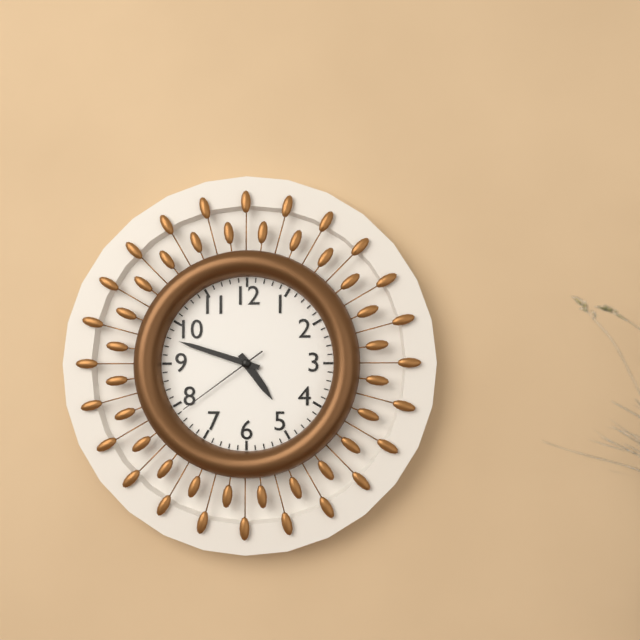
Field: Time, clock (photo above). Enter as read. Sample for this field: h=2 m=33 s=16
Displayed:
h=4 m=48 s=39
